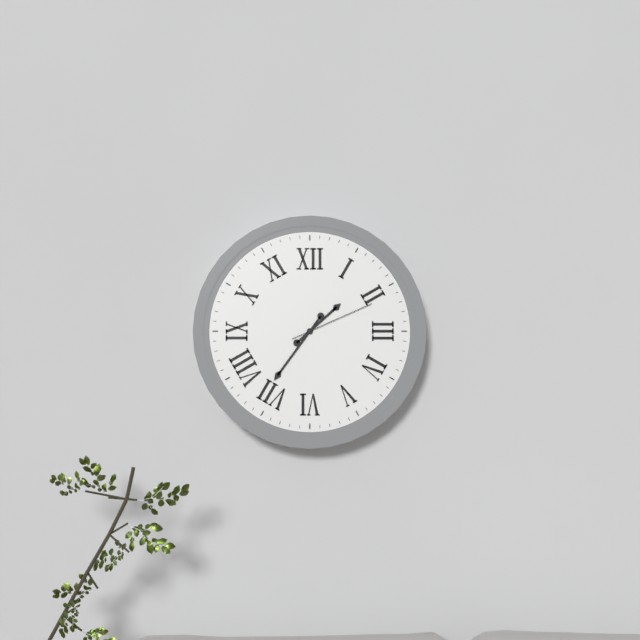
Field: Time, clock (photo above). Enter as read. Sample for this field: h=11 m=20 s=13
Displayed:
h=1 m=36 s=11
